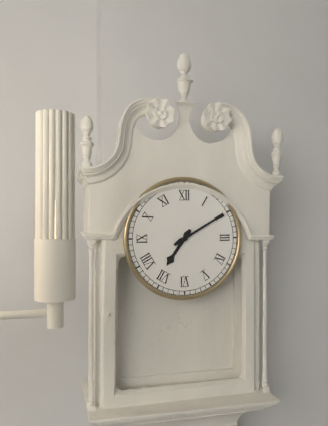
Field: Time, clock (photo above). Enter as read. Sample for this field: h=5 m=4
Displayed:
h=7 m=10
